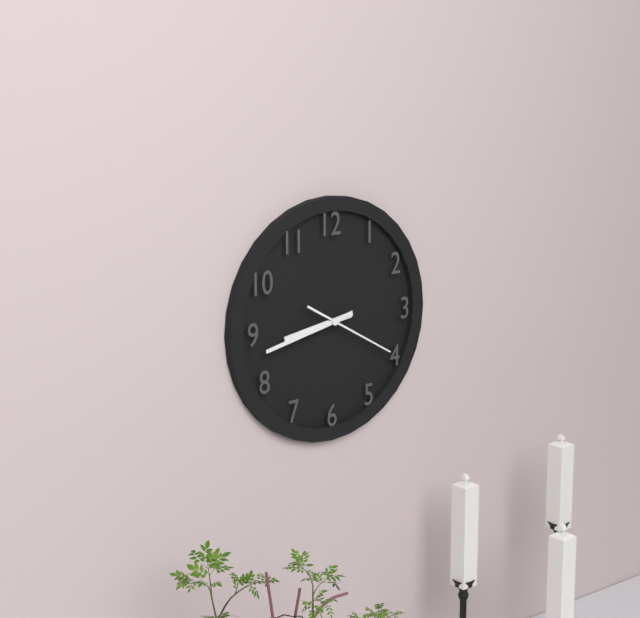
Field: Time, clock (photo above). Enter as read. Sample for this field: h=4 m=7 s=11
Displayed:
h=8 m=43 s=20
